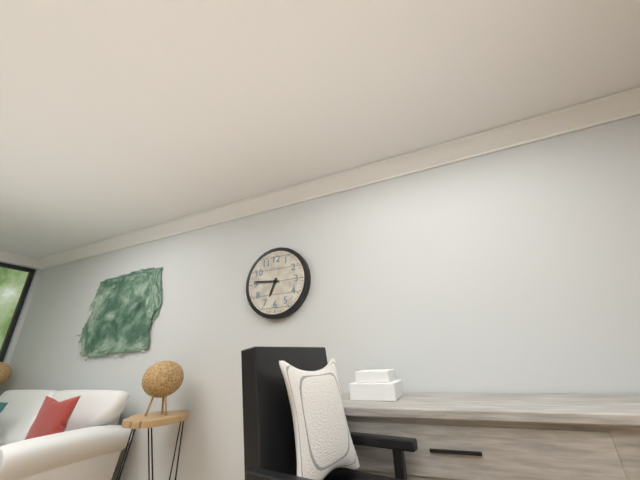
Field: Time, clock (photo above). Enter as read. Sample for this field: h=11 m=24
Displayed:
h=6 m=46
